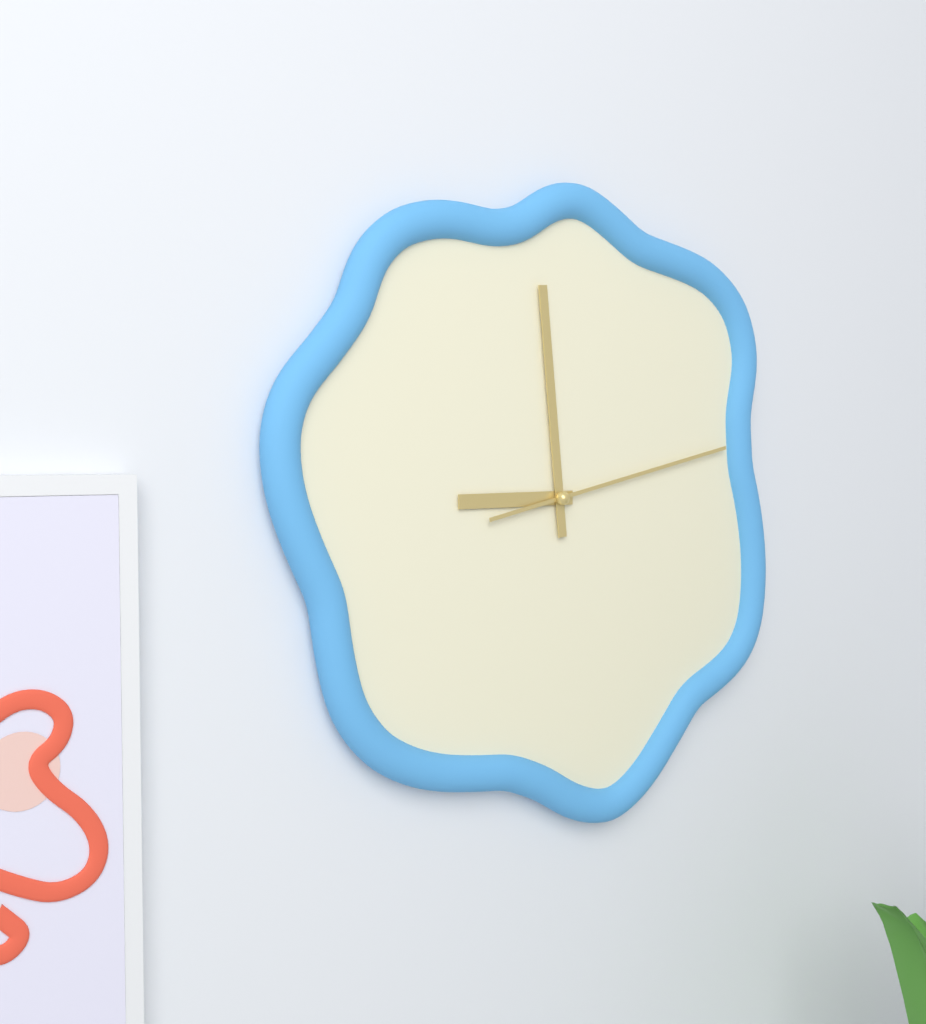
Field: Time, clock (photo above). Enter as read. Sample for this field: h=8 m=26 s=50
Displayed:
h=8 m=59 s=13
